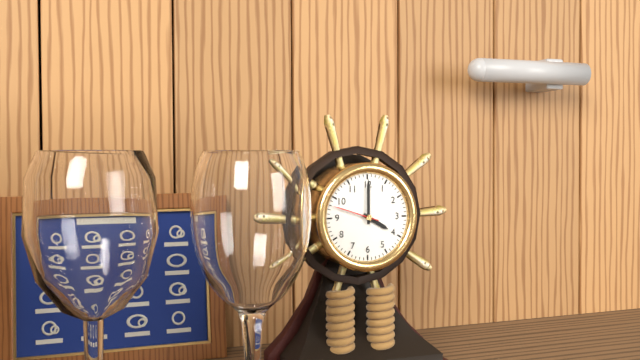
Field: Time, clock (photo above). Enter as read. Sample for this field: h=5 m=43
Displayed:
h=4 m=0
